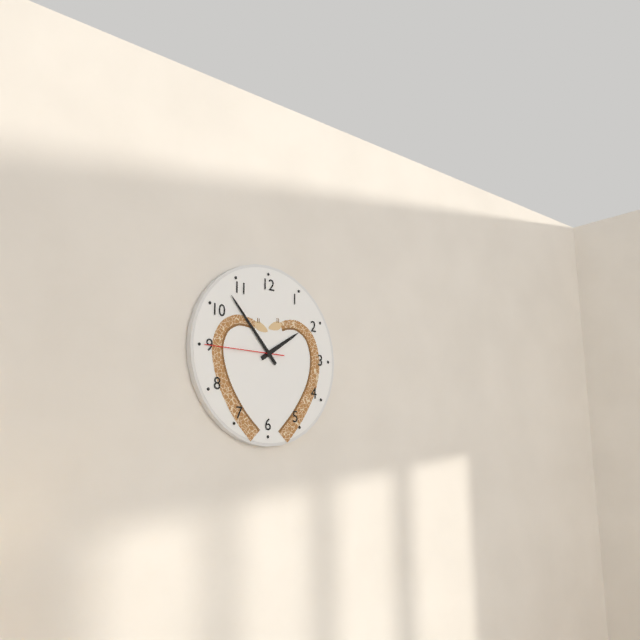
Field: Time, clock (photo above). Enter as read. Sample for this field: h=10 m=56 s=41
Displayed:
h=1 m=53 s=45
